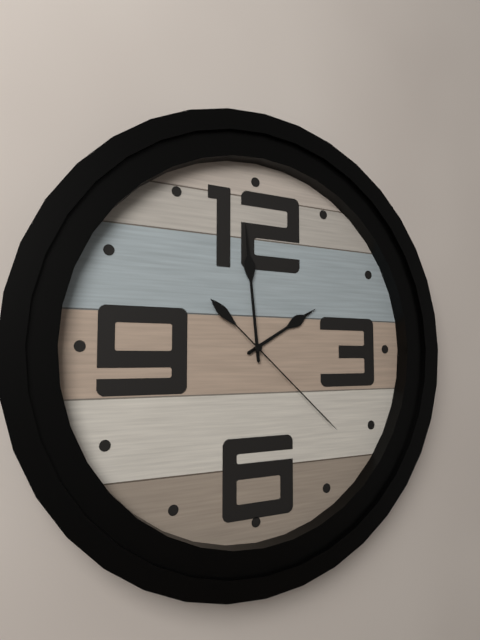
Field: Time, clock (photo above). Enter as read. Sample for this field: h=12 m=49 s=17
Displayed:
h=1 m=59 s=22
